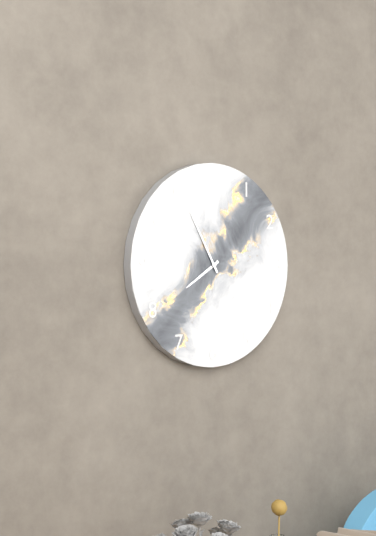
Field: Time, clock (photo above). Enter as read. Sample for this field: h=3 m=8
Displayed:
h=7 m=55
